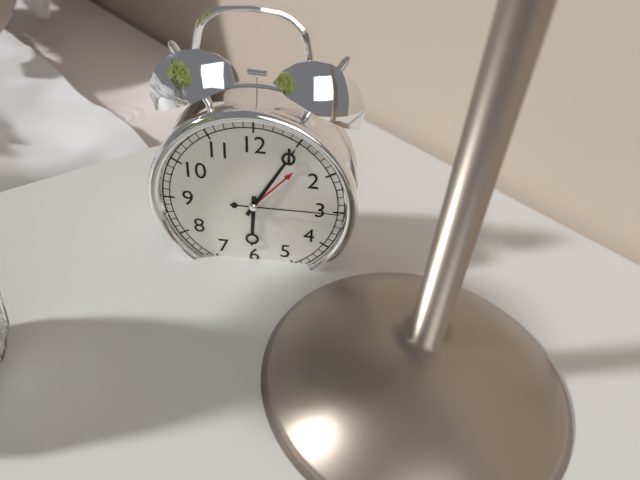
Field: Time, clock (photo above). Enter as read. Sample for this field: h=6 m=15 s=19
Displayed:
h=6 m=5 s=15
